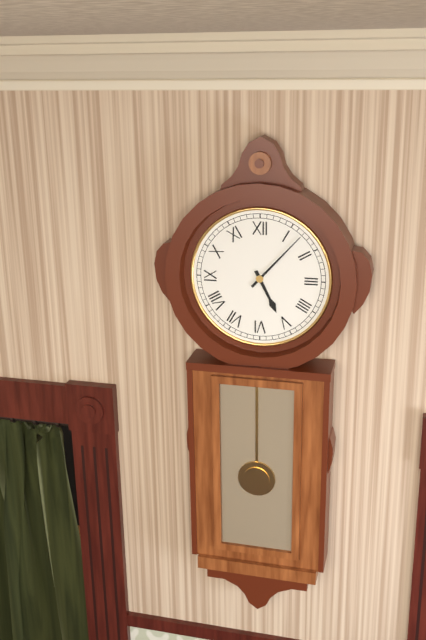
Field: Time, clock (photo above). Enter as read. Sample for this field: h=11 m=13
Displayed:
h=5 m=7
